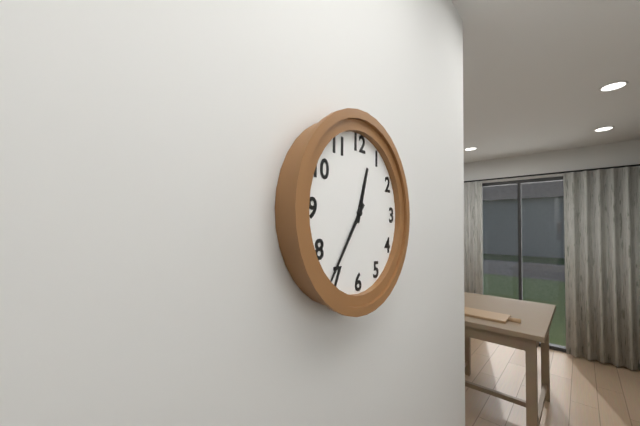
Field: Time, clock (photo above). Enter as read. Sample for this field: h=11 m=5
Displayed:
h=12 m=36
